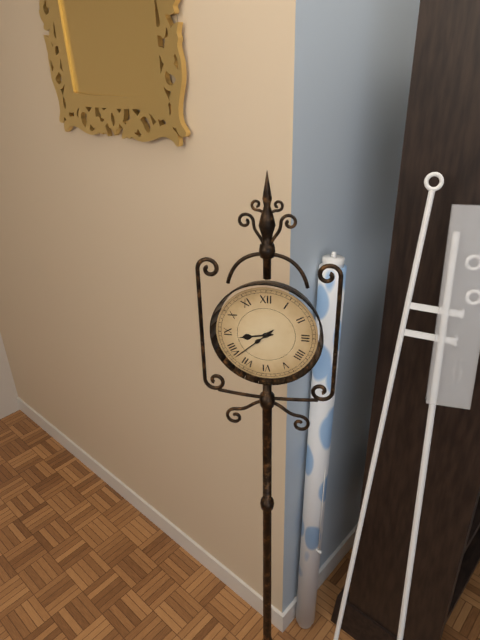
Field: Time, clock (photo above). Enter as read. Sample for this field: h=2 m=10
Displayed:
h=8 m=38
